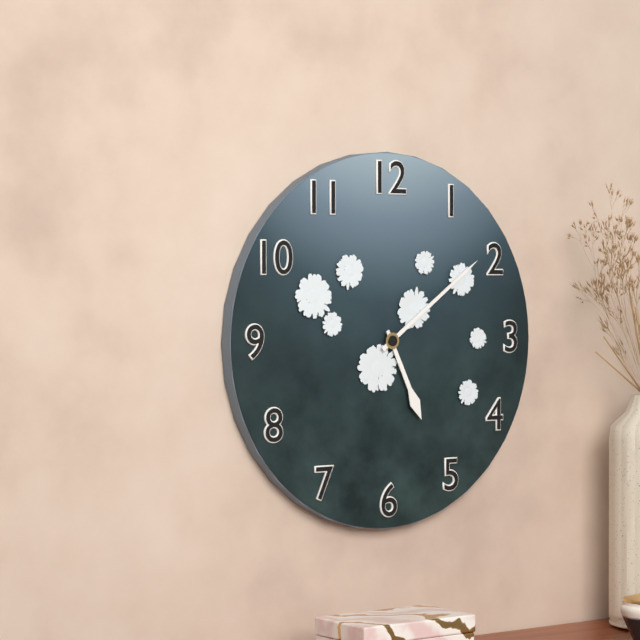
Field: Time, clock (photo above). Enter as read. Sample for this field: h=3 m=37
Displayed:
h=5 m=9
